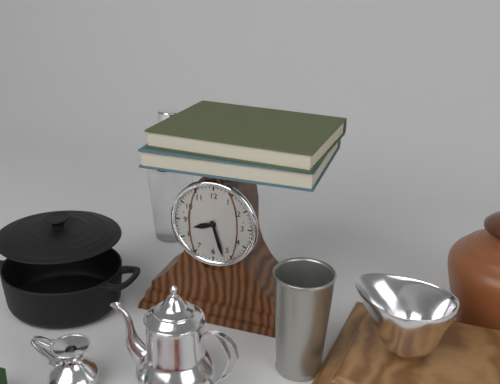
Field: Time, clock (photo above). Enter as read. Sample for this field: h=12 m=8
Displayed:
h=8 m=27
